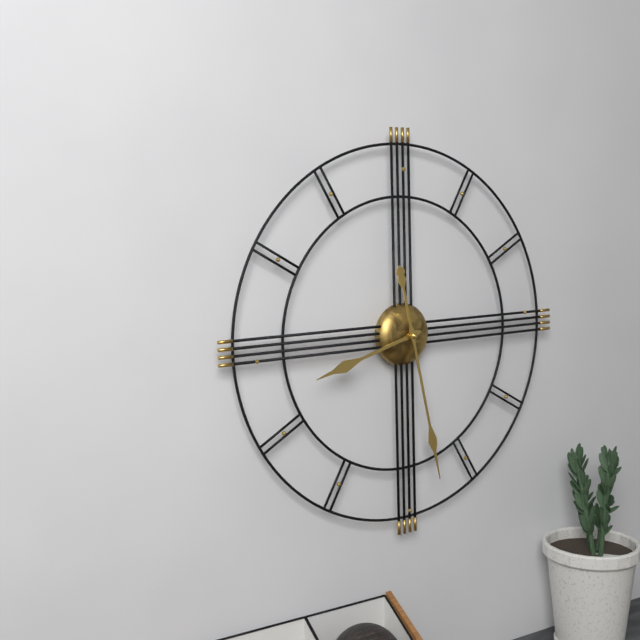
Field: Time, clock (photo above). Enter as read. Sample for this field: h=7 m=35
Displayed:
h=8 m=28
